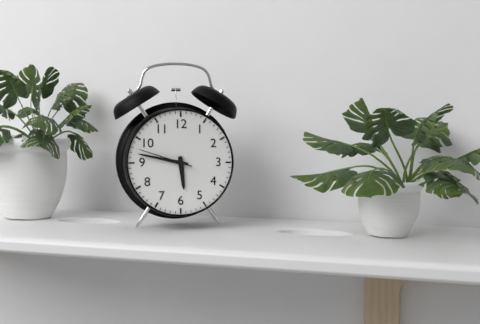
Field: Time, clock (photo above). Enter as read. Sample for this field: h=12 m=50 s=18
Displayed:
h=5 m=47 s=48
